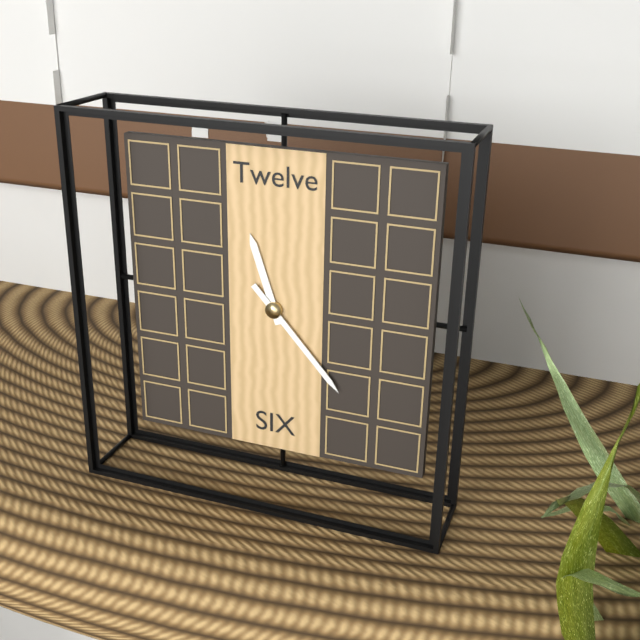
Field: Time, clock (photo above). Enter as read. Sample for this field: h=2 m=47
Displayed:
h=11 m=23
